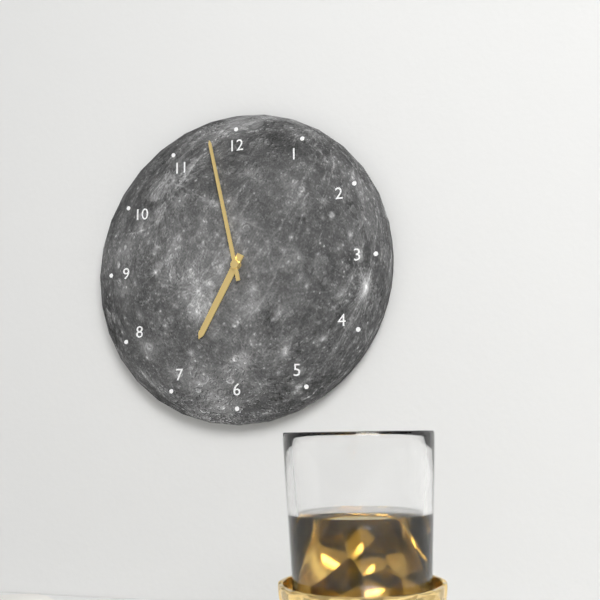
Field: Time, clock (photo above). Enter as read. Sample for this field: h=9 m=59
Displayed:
h=6 m=58
